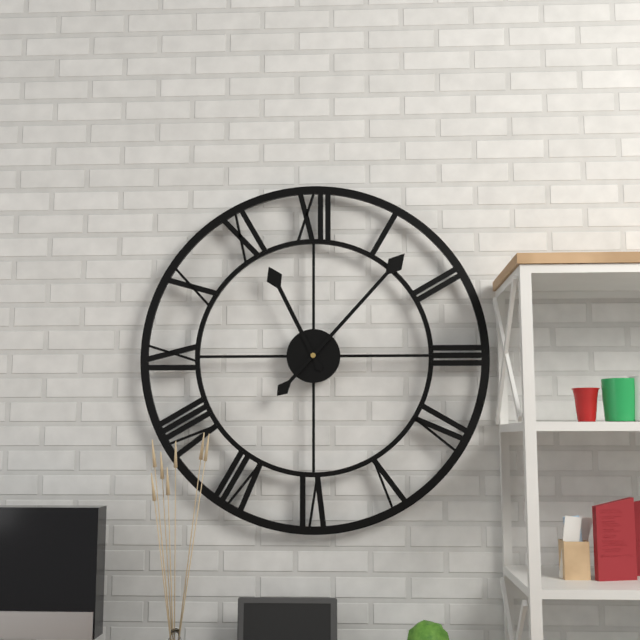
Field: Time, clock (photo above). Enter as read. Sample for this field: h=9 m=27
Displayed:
h=11 m=7
